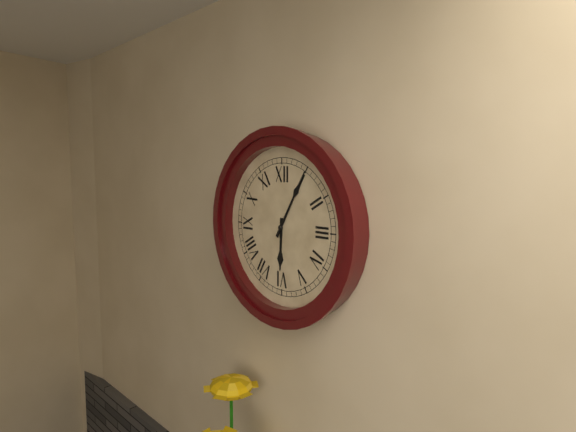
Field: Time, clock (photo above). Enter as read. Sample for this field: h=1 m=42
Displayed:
h=6 m=5
